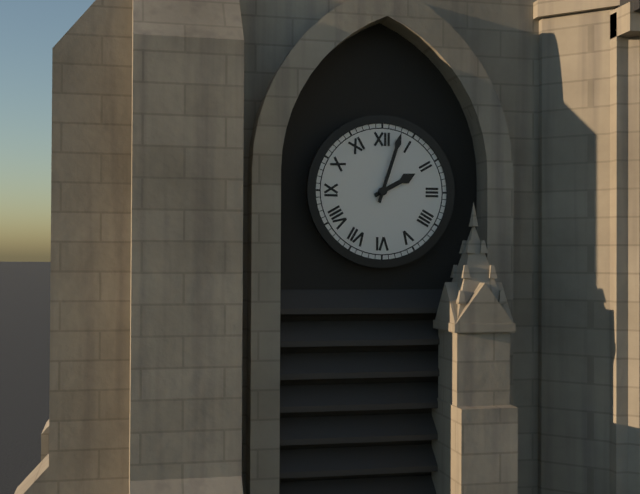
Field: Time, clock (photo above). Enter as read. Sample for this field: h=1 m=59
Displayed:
h=2 m=3
